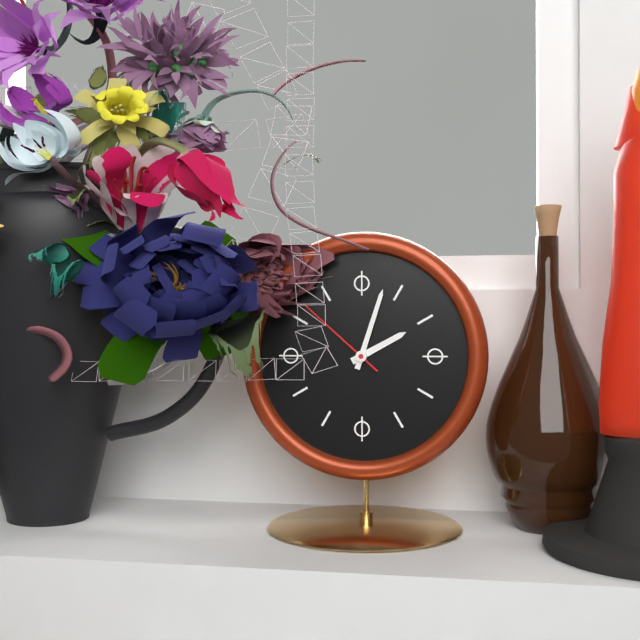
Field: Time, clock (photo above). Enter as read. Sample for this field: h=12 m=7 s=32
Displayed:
h=2 m=3 s=52
